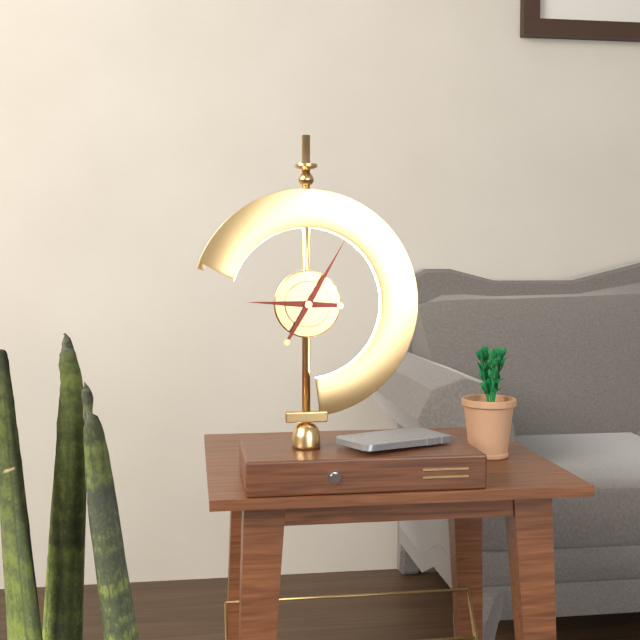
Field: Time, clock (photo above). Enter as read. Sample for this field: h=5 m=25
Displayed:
h=9 m=5
